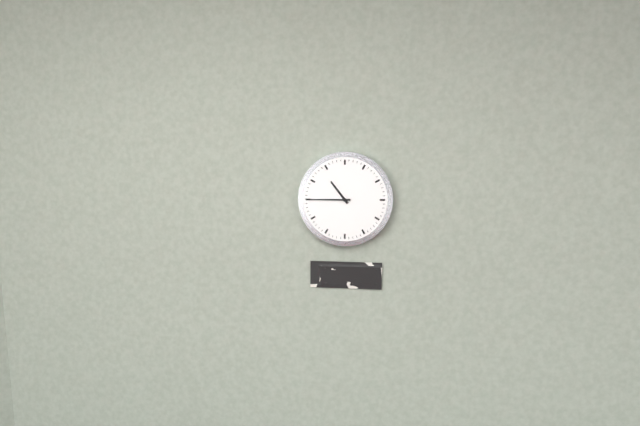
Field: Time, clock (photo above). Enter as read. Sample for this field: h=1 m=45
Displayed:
h=10 m=45
